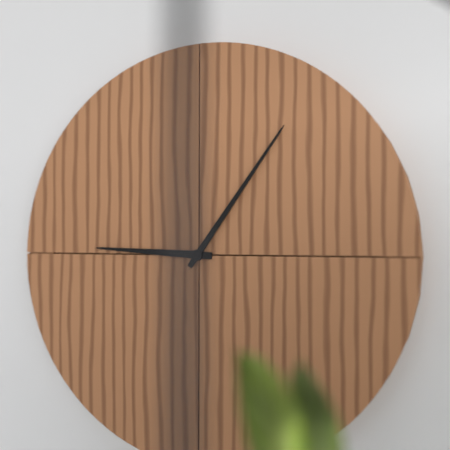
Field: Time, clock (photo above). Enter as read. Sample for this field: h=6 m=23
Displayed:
h=9 m=6
